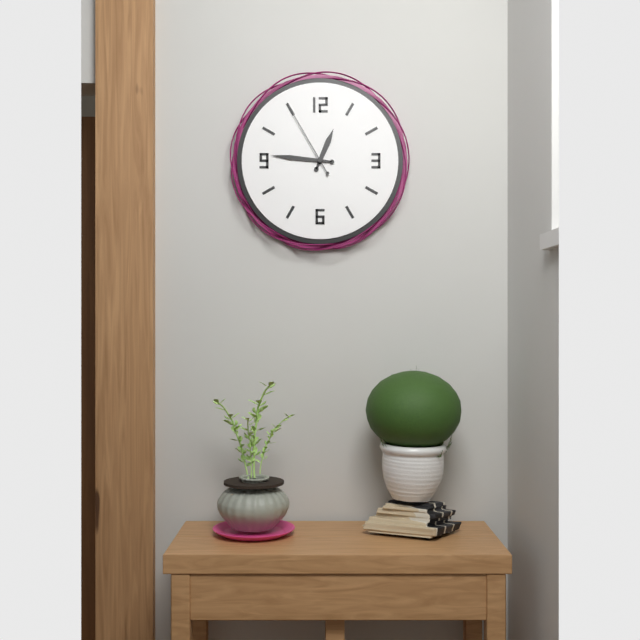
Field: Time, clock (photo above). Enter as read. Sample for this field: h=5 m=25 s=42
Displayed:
h=12 m=46 s=55
